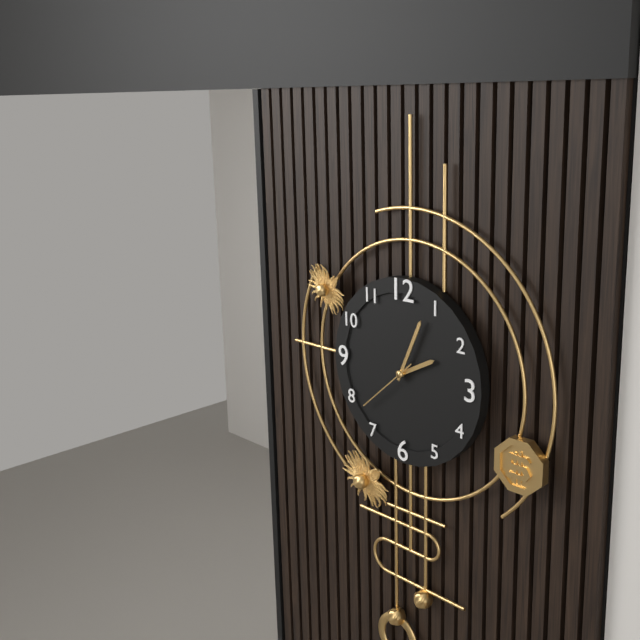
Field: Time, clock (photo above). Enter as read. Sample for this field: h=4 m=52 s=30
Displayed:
h=2 m=4 s=38
